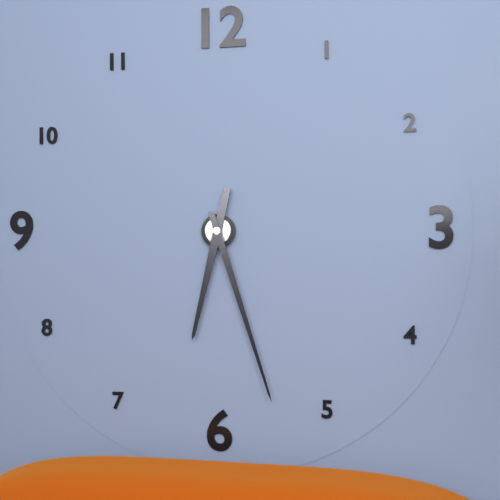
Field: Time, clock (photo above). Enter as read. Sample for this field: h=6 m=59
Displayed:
h=6 m=27
